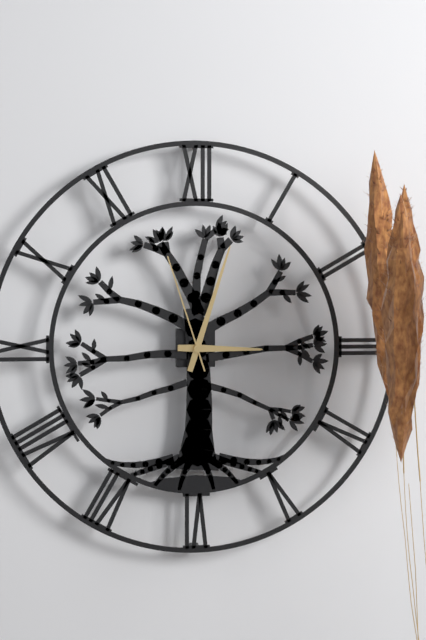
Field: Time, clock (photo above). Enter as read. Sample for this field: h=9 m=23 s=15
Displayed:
h=3 m=3 s=57
